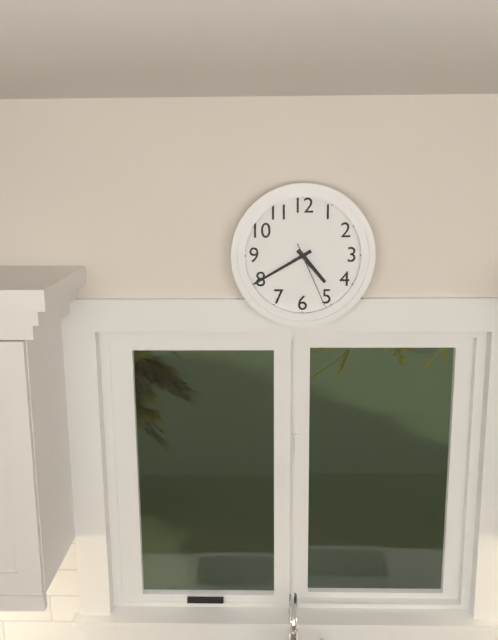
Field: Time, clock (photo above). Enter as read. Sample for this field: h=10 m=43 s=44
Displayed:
h=4 m=40 s=26
